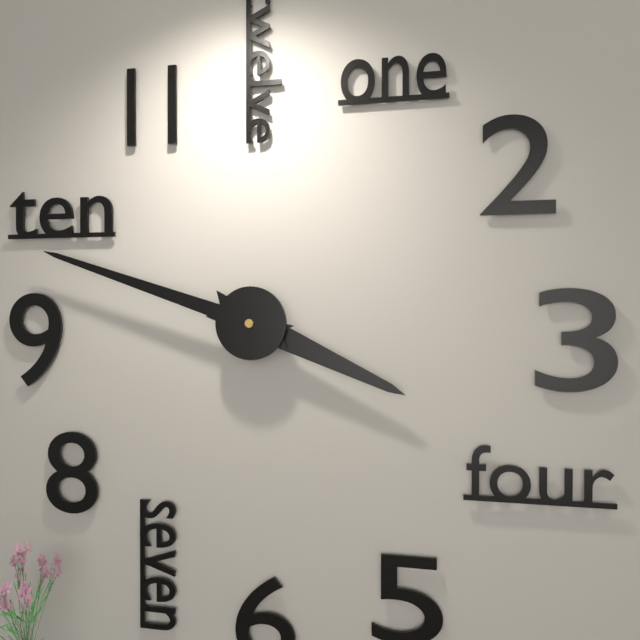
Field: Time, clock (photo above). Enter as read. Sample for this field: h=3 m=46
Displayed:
h=3 m=48
